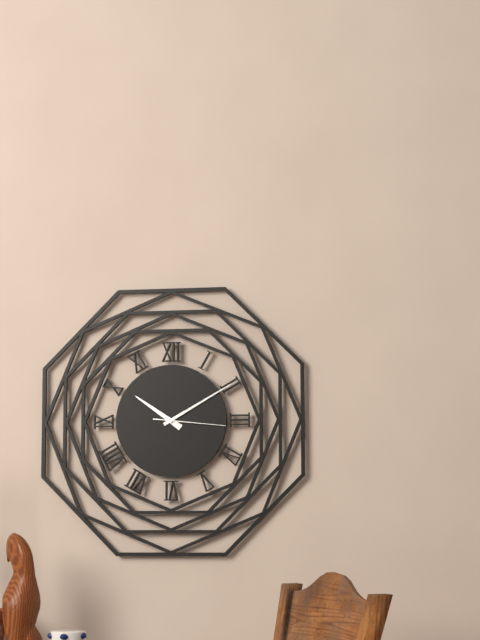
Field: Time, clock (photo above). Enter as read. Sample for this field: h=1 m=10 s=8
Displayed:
h=10 m=10 s=16
